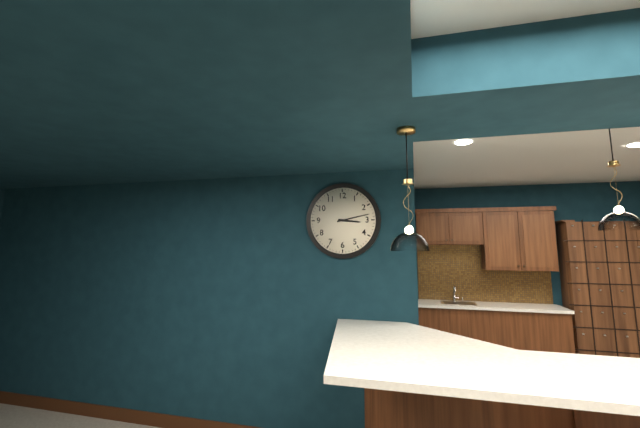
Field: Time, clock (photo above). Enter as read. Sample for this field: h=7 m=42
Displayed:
h=3 m=13
